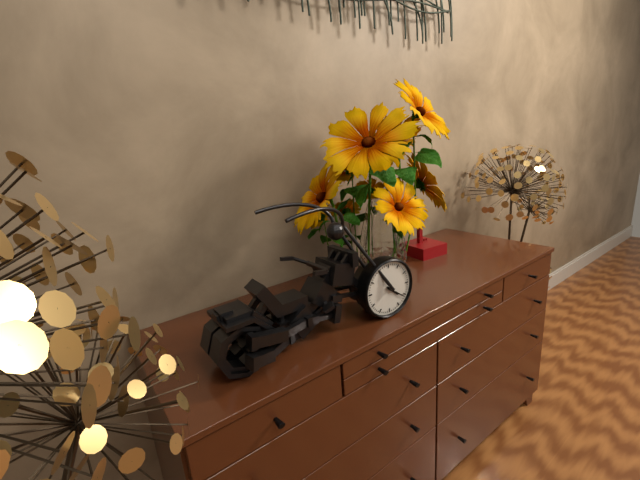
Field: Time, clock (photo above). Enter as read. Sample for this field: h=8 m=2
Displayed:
h=4 m=21
